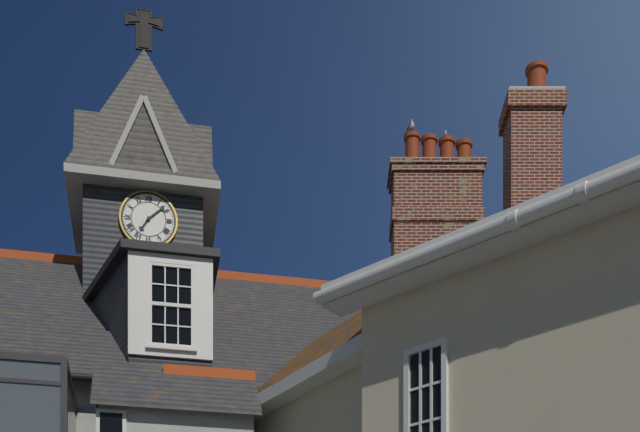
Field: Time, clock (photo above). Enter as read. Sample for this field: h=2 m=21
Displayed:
h=7 m=8
